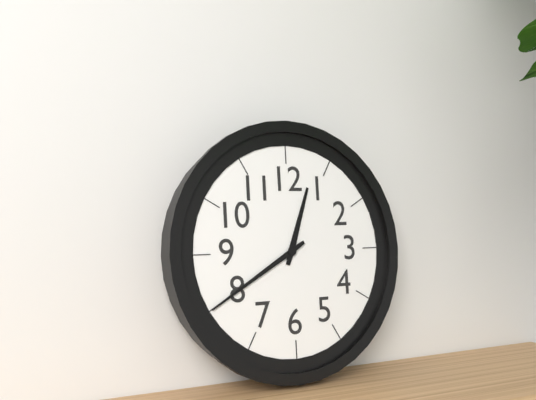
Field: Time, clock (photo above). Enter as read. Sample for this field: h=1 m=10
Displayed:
h=12 m=40
